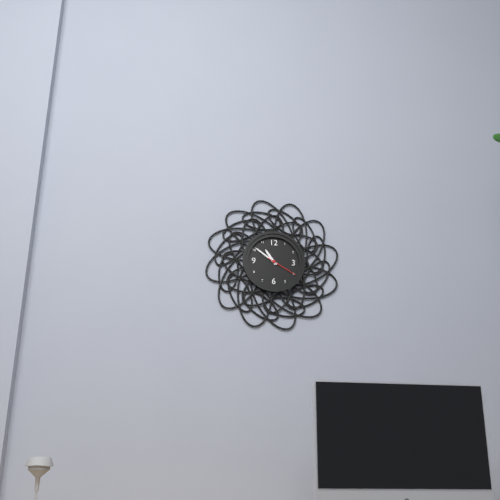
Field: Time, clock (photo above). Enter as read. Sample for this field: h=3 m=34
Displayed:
h=10 m=51
